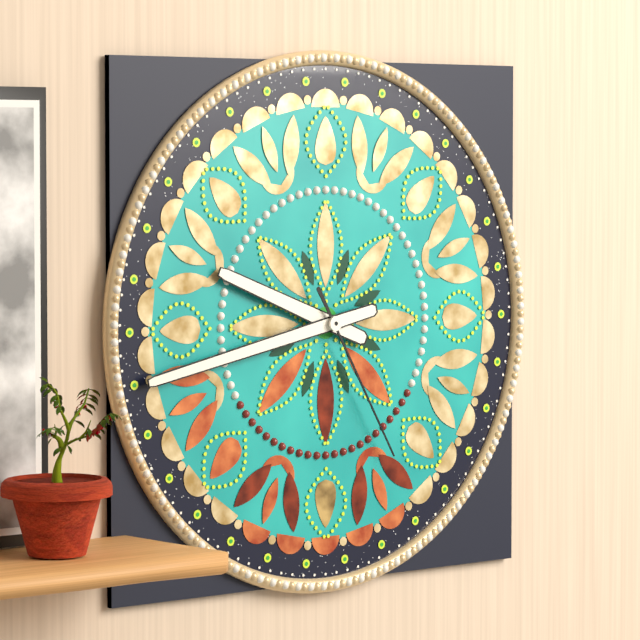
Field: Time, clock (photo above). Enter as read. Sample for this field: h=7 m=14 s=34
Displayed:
h=9 m=43 s=25
